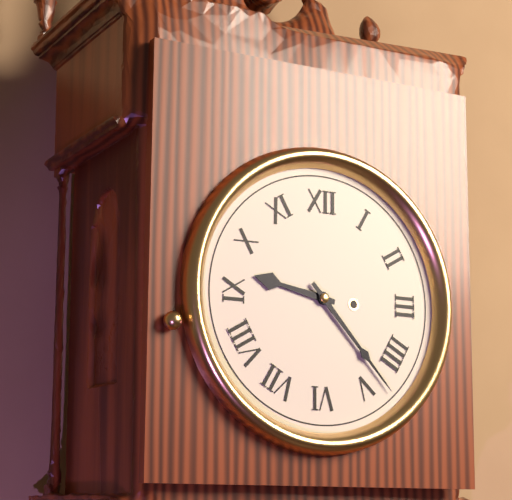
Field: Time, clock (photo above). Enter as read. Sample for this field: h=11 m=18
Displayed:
h=9 m=23
